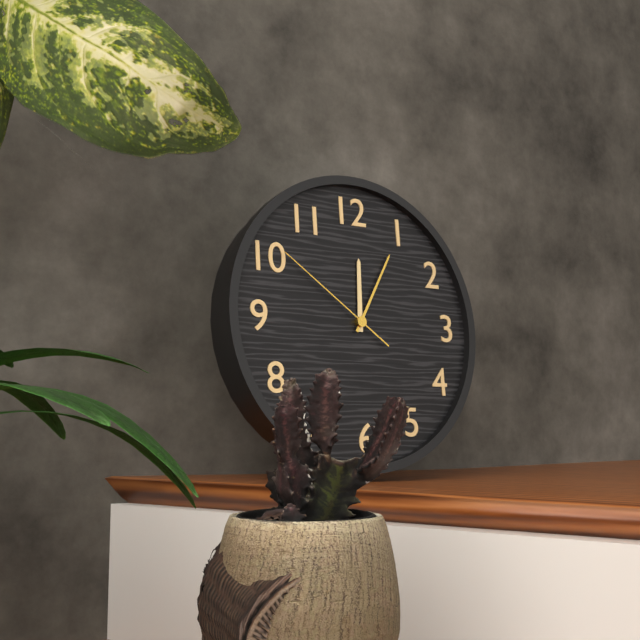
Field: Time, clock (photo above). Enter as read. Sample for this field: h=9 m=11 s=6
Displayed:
h=12 m=5 s=51
